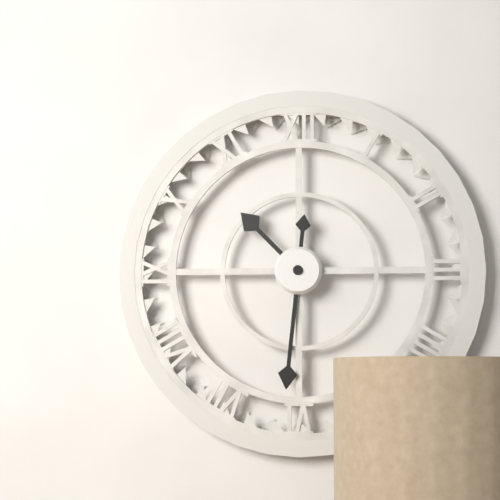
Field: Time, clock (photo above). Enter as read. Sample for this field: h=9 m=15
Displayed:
h=10 m=31
